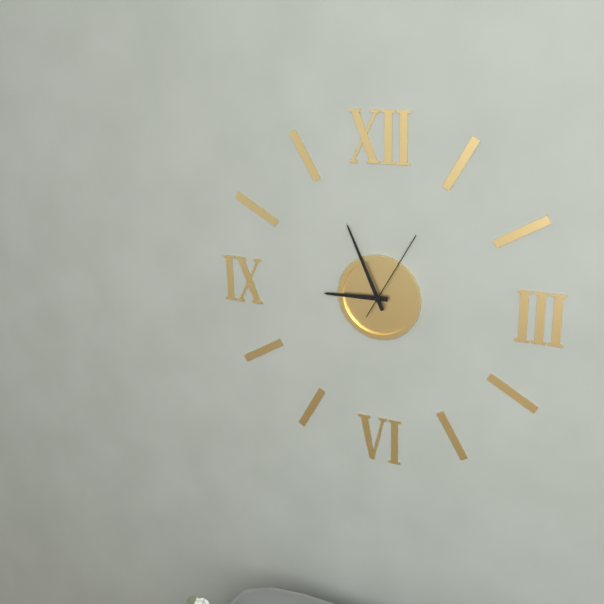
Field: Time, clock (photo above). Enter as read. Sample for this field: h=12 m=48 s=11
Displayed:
h=8 m=56 s=5
